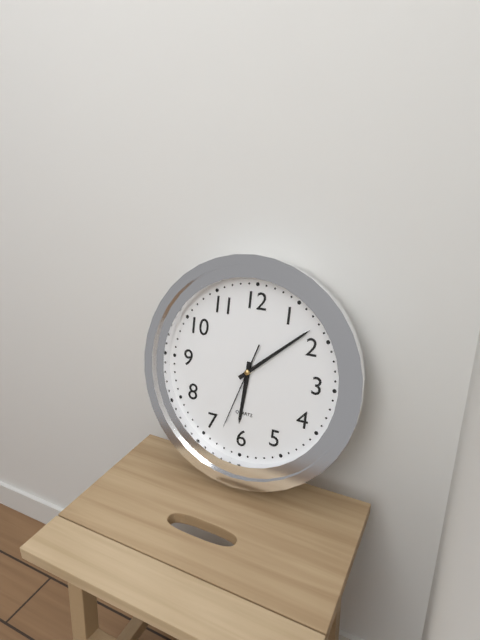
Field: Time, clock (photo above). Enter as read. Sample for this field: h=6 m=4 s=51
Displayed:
h=6 m=8 s=33
